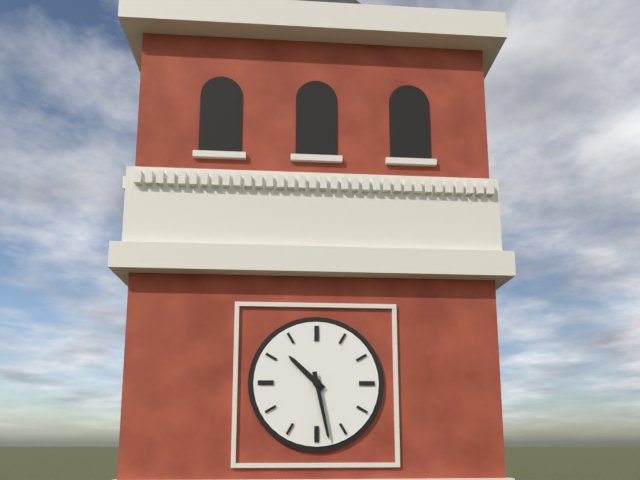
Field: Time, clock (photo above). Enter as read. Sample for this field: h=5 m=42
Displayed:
h=10 m=28
